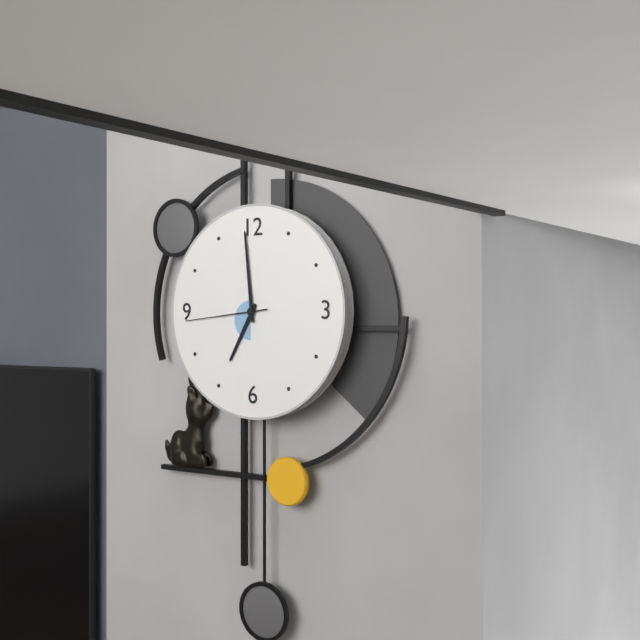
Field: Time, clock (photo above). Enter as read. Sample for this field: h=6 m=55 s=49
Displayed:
h=6 m=59 s=44
